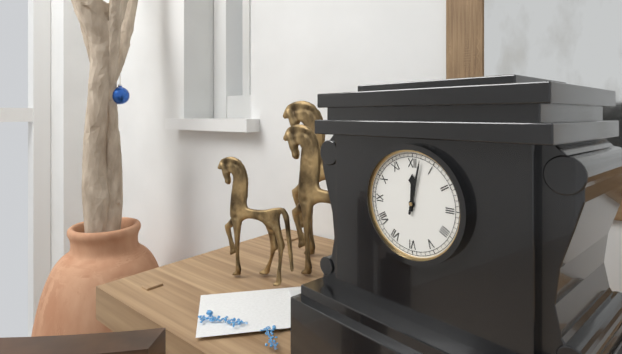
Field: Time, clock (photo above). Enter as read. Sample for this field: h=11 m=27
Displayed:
h=12 m=2
